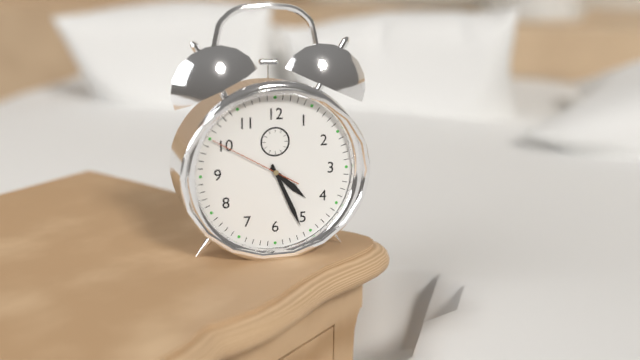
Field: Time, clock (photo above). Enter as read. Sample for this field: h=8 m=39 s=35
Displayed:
h=4 m=26 s=50
